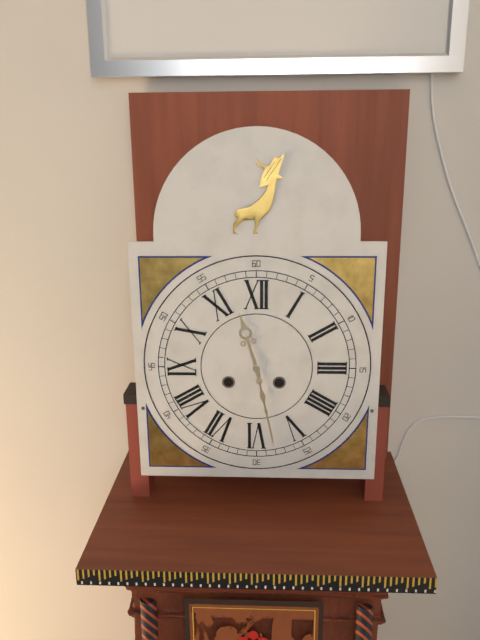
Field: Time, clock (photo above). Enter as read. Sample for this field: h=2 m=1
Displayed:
h=11 m=28
